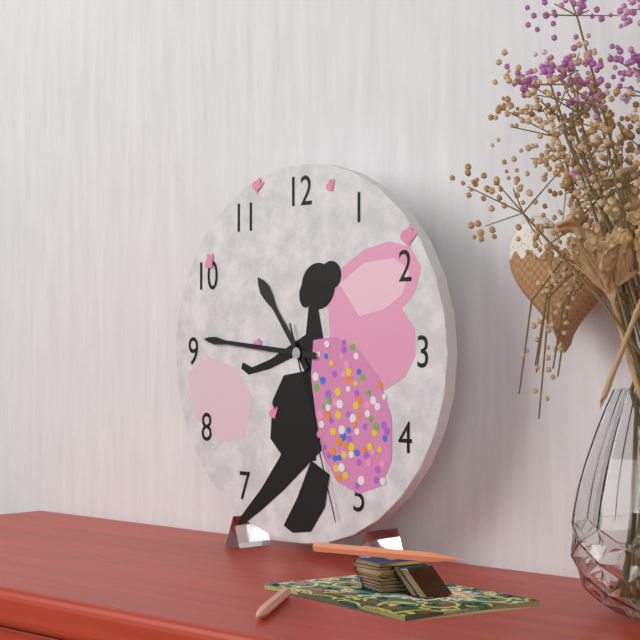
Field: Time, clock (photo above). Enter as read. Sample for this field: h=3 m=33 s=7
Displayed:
h=10 m=46 s=27
